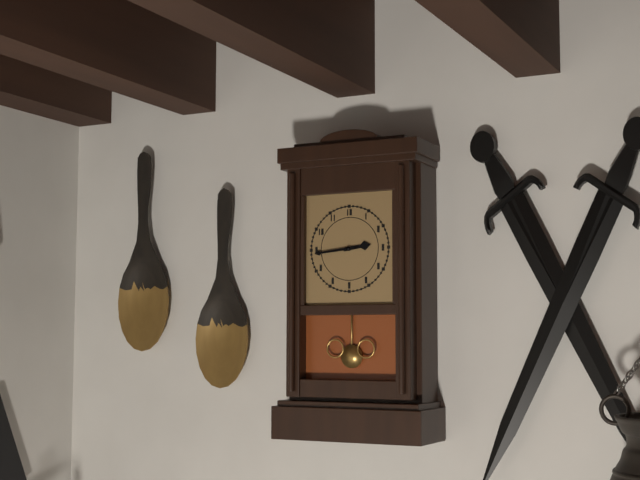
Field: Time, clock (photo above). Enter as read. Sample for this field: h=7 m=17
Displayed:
h=2 m=44
